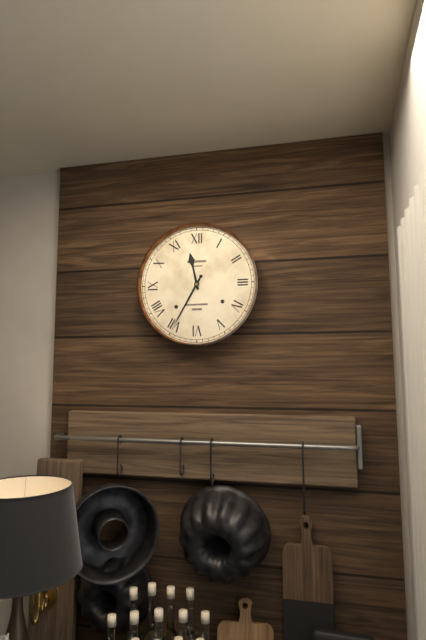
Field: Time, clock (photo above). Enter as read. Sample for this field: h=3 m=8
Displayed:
h=11 m=35
